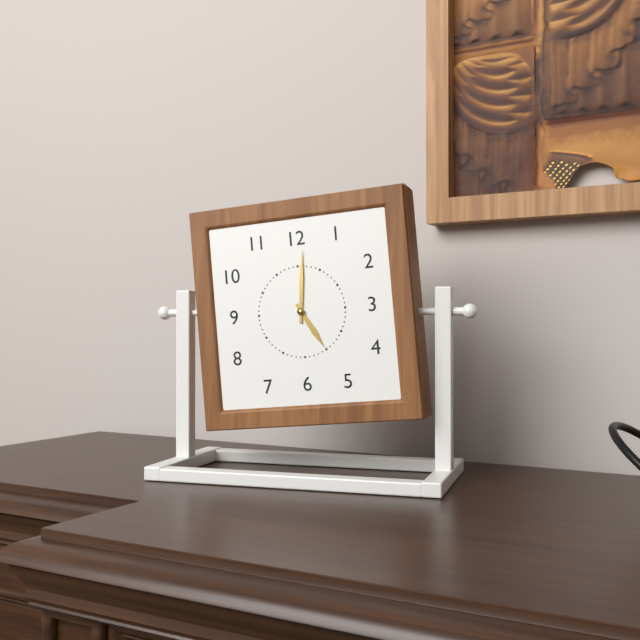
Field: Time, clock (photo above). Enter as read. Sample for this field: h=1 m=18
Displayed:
h=5 m=1
